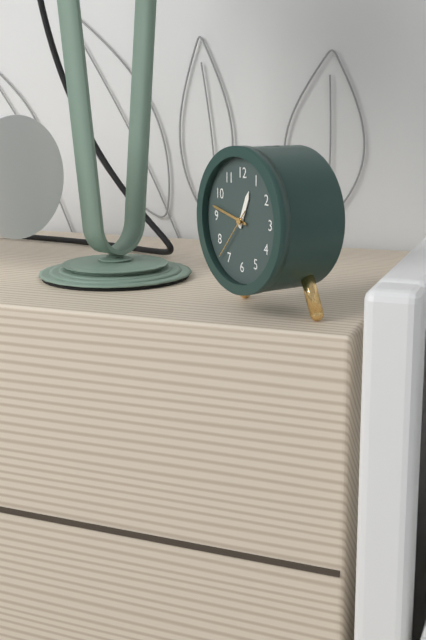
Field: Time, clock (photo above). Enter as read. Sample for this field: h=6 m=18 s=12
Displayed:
h=12 m=47 s=37
